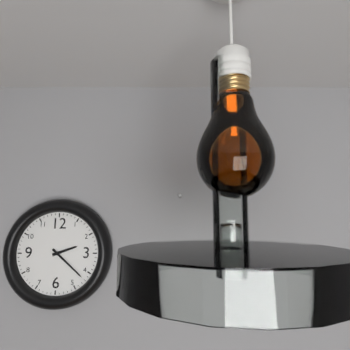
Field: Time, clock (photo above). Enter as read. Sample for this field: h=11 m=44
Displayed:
h=2 m=22
